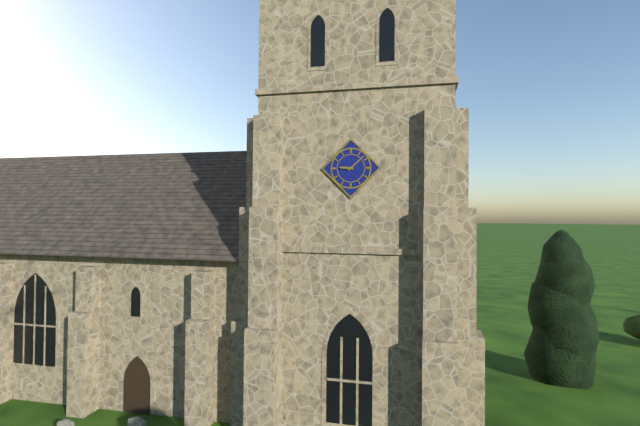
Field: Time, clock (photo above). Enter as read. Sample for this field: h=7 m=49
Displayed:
h=9 m=8
